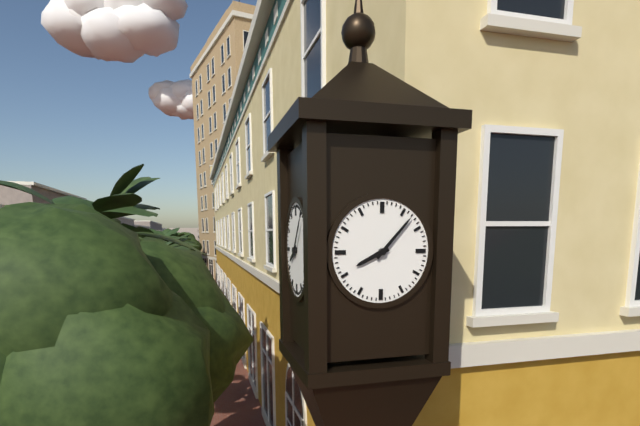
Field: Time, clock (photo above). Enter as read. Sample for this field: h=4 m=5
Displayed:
h=8 m=7
